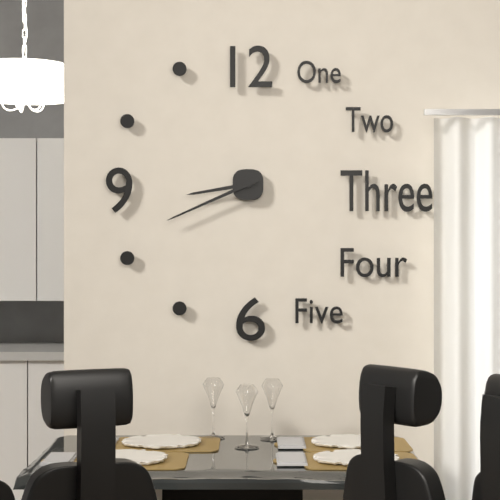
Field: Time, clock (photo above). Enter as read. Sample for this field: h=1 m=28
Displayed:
h=8 m=41
